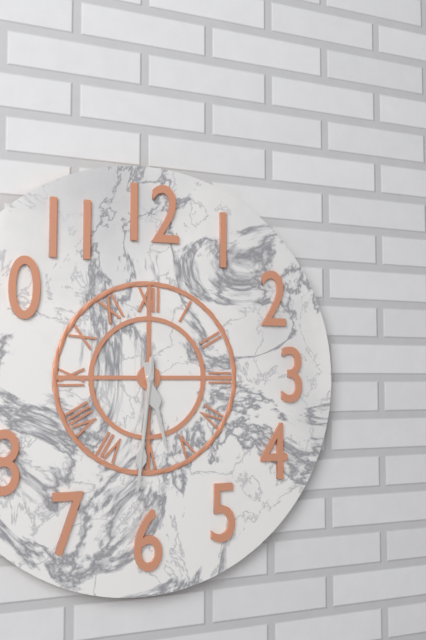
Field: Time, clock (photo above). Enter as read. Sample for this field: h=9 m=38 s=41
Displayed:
h=5 m=31 s=31
